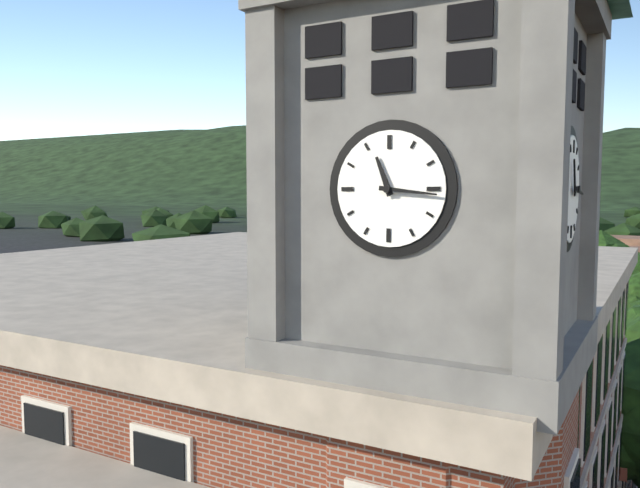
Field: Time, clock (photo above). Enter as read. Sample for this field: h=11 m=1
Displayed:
h=11 m=16
